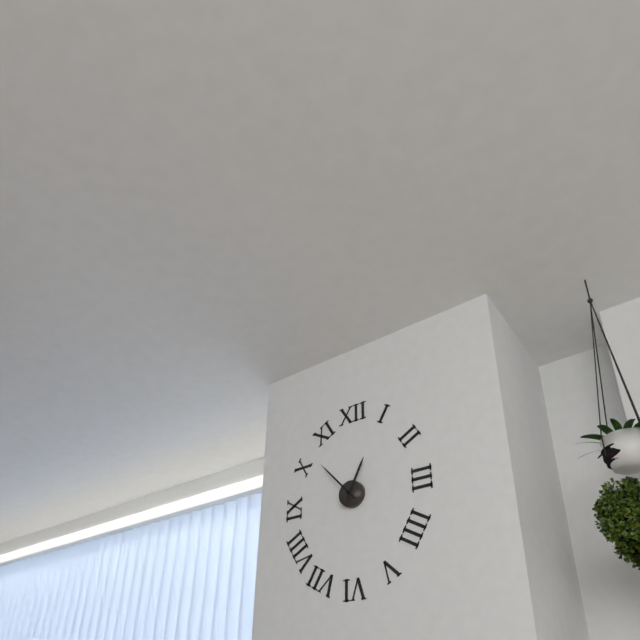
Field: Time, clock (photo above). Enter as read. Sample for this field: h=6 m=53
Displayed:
h=12 m=53
